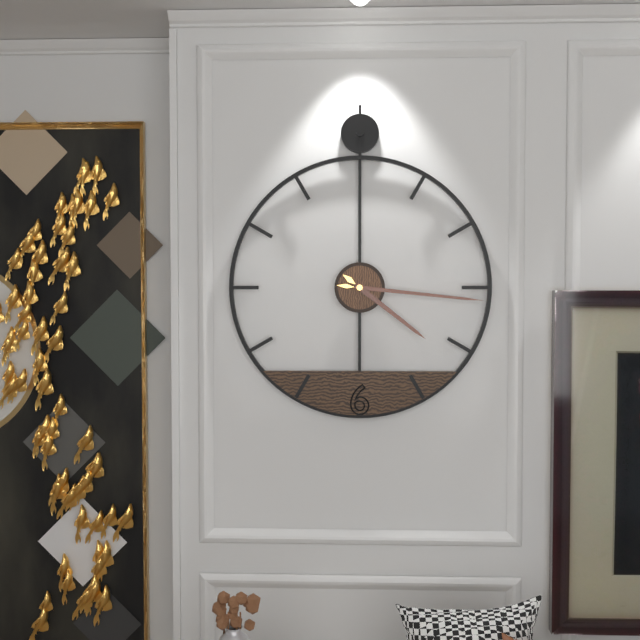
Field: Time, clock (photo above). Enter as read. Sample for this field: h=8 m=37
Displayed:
h=4 m=16
